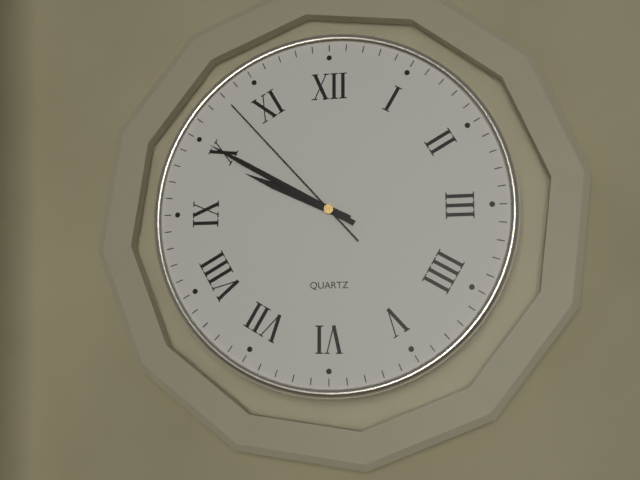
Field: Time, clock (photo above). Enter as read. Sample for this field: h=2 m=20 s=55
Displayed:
h=9 m=50 s=53
